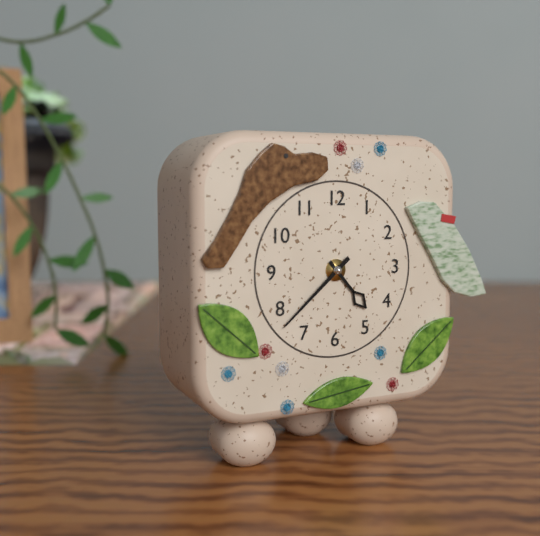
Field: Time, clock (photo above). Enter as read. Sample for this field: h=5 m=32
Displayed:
h=4 m=38
